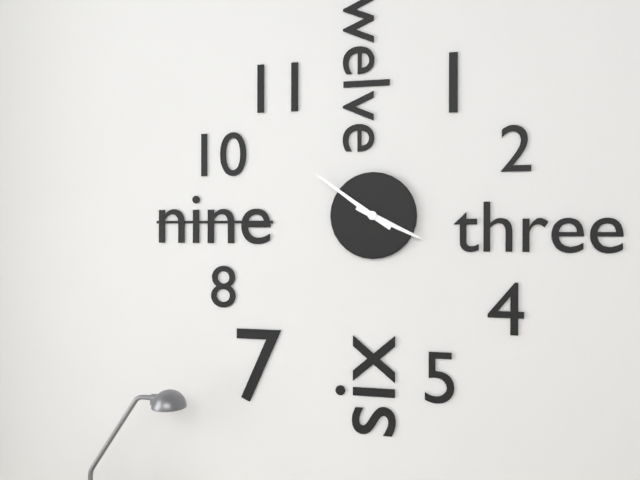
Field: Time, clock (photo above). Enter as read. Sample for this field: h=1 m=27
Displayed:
h=3 m=51
